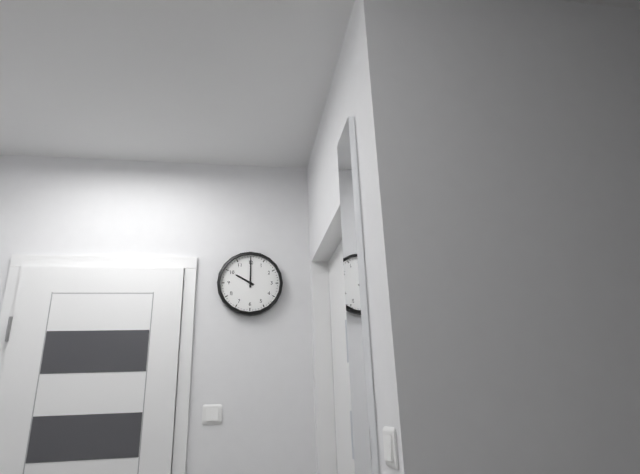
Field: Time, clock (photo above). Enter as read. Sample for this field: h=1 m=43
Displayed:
h=10 m=0
